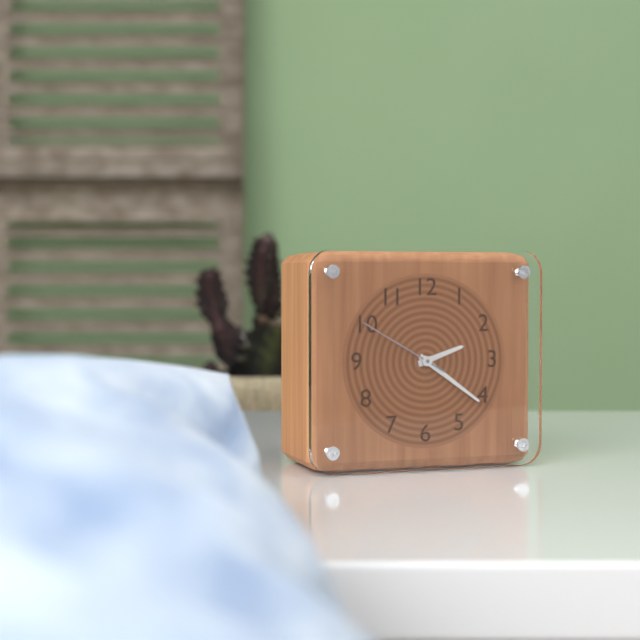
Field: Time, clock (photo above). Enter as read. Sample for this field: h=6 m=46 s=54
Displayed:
h=2 m=21 s=50
